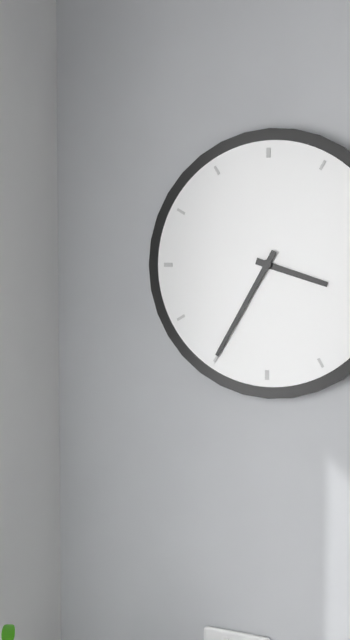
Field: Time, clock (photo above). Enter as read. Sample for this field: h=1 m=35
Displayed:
h=3 m=35
